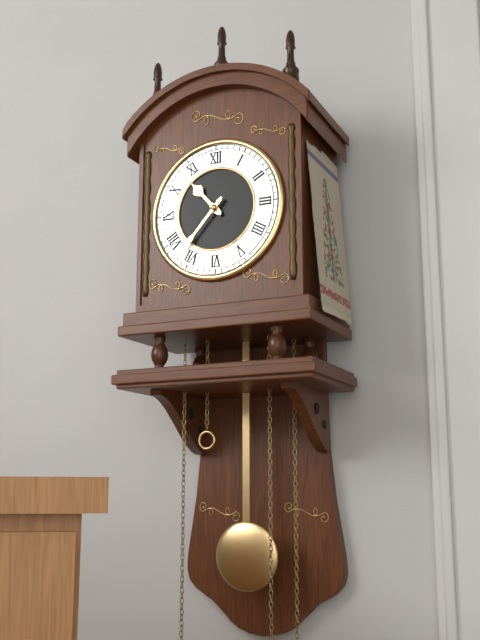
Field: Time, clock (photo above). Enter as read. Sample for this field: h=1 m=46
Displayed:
h=10 m=37
